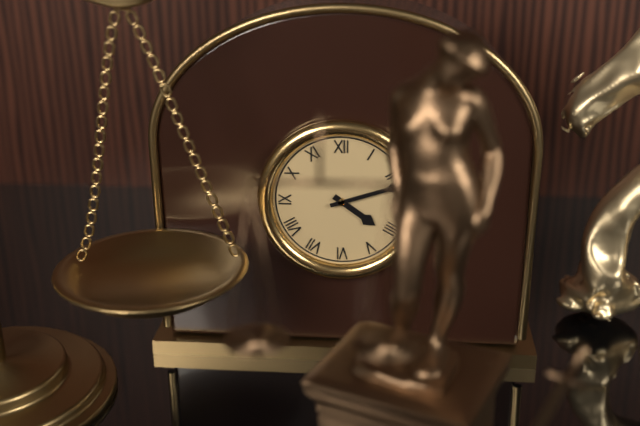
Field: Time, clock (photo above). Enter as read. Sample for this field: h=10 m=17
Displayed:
h=4 m=12
